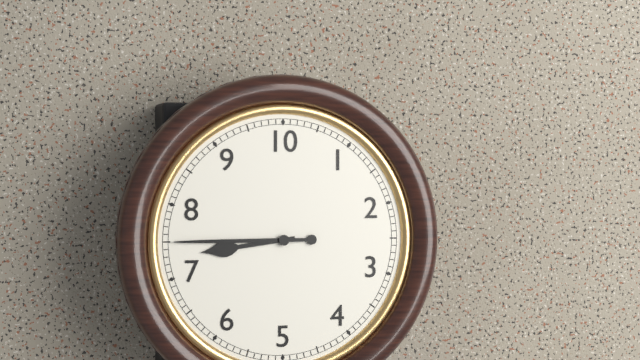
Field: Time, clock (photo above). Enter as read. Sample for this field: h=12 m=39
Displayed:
h=8 m=45
